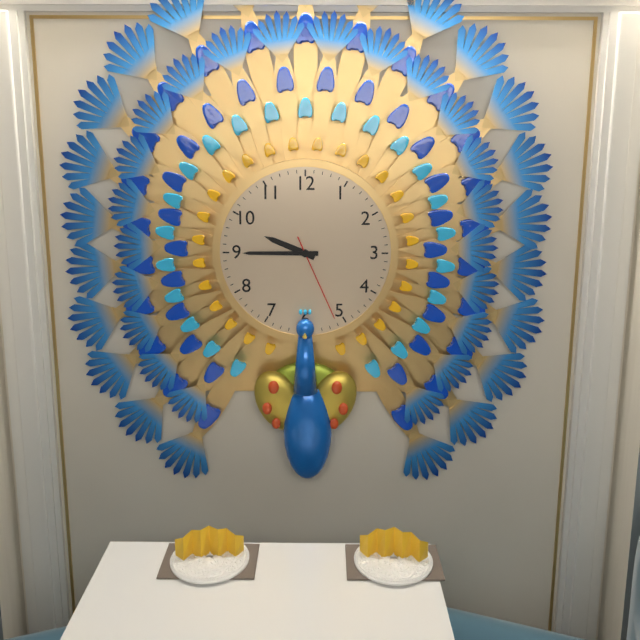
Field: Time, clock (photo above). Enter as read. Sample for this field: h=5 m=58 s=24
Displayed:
h=9 m=45 s=26
